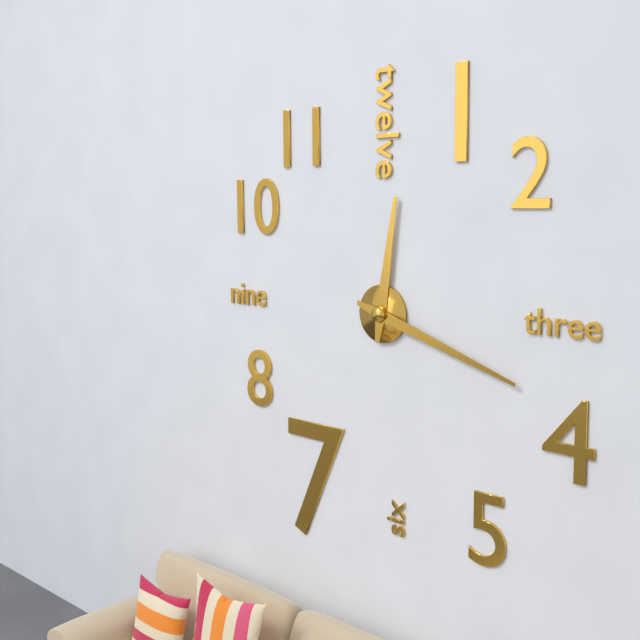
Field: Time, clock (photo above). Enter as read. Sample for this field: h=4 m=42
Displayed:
h=12 m=18
